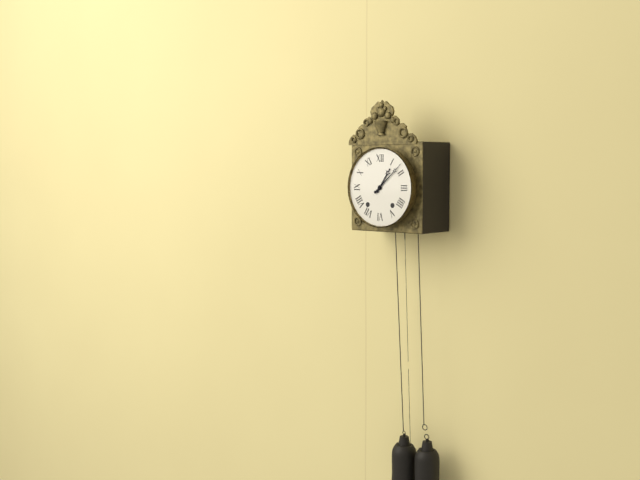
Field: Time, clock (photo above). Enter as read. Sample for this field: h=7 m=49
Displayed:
h=1 m=8
